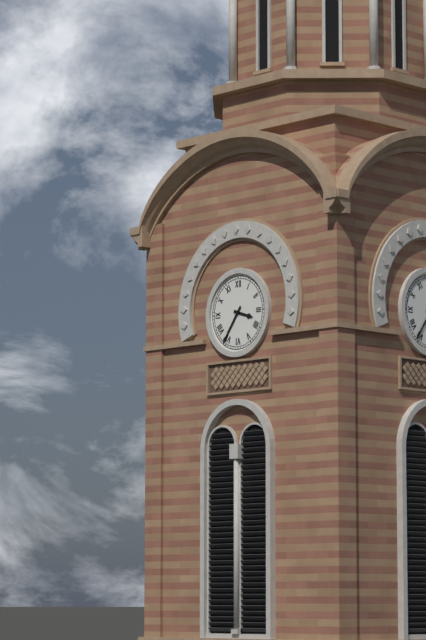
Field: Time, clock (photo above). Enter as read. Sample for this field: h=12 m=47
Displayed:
h=3 m=36
